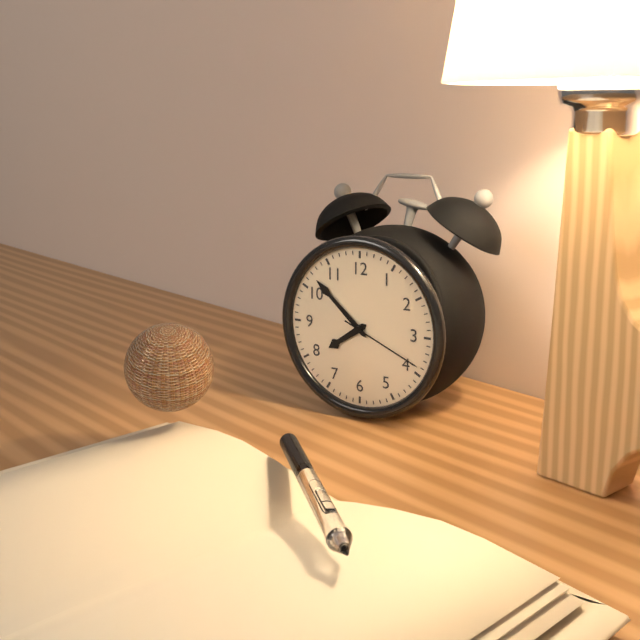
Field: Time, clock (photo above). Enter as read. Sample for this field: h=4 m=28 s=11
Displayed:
h=7 m=52 s=19
